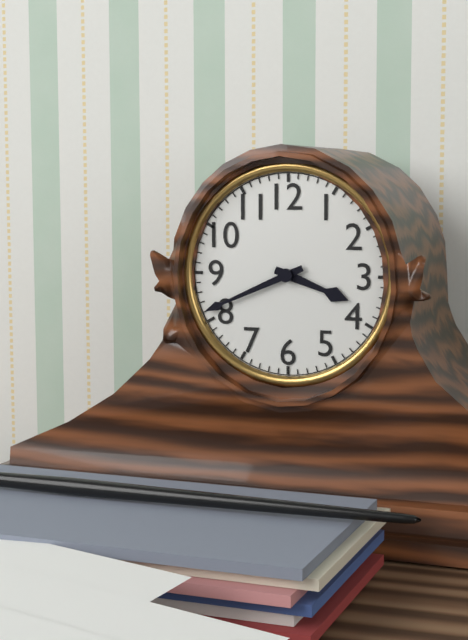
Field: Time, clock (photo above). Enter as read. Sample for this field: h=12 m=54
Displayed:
h=3 m=41
